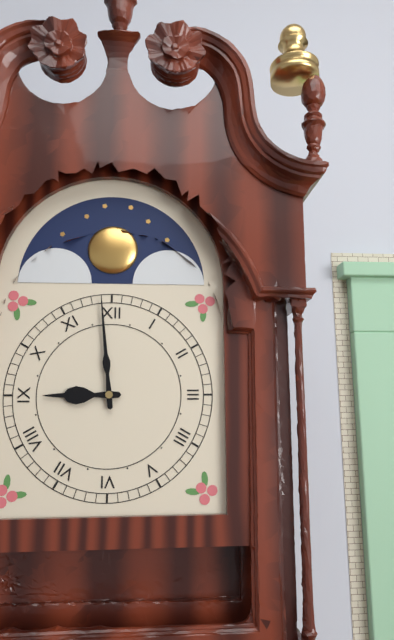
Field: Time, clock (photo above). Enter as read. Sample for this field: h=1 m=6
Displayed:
h=8 m=59
